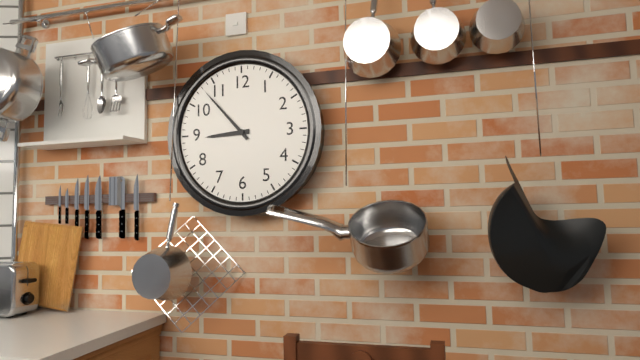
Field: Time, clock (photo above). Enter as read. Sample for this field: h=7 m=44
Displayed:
h=8 m=53
